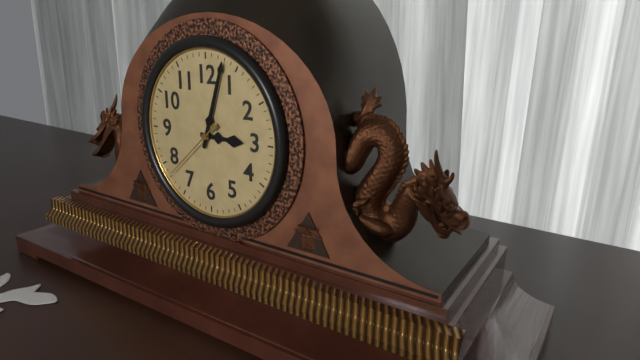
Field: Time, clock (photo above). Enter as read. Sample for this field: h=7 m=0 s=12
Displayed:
h=3 m=3 s=38
